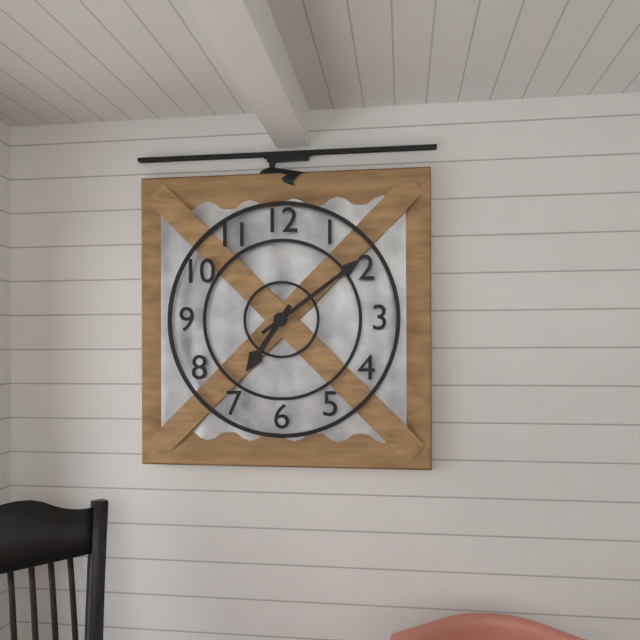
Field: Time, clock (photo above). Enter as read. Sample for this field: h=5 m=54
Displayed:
h=7 m=9
